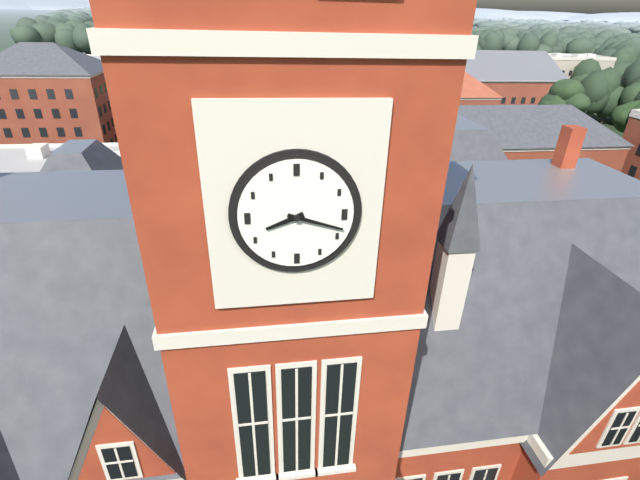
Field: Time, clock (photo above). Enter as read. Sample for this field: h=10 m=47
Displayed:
h=8 m=18
